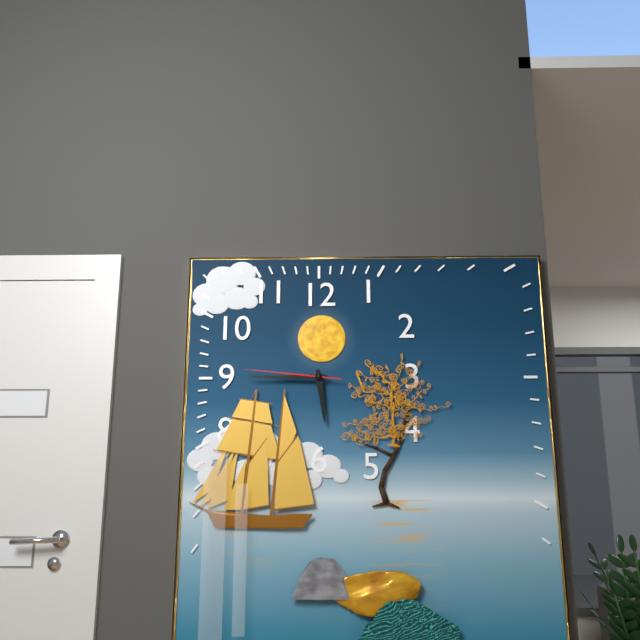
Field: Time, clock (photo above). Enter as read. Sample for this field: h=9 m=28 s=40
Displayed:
h=5 m=45 s=46
